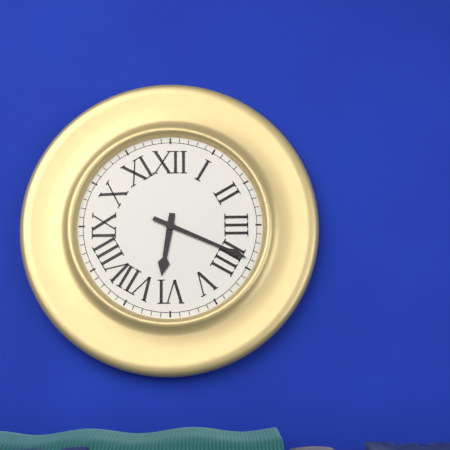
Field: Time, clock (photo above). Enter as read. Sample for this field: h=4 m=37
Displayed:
h=6 m=19
